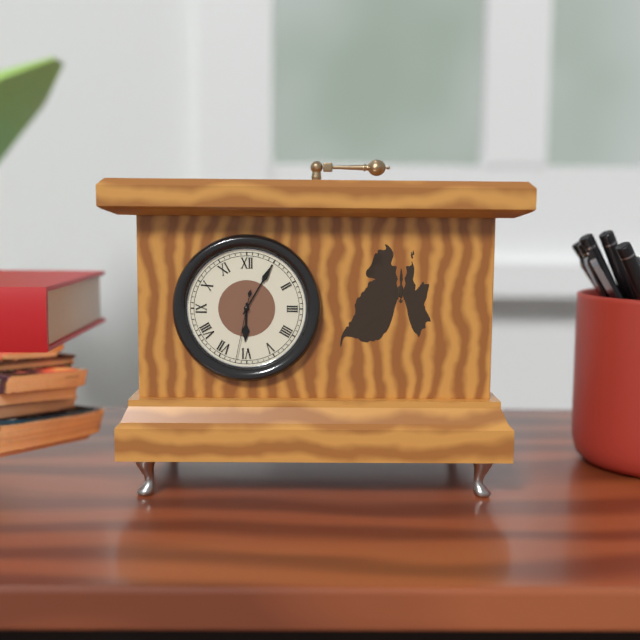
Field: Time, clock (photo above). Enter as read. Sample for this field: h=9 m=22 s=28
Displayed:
h=6 m=5 s=32
